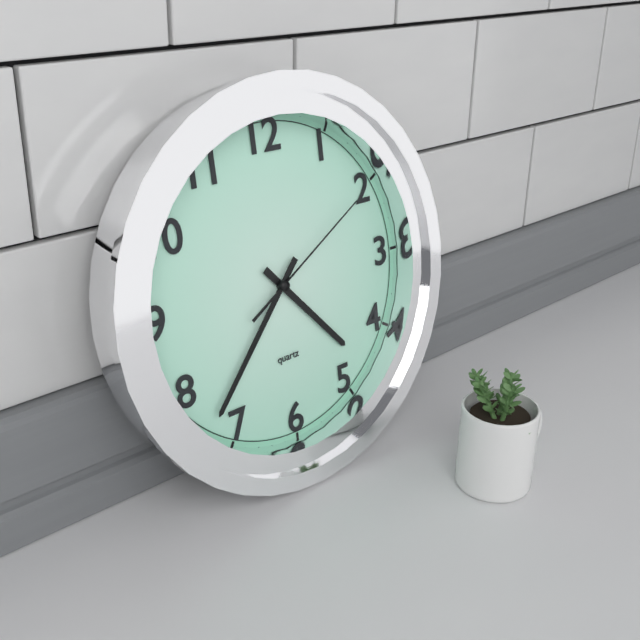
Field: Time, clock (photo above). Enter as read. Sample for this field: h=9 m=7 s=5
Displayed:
h=4 m=37 s=10
